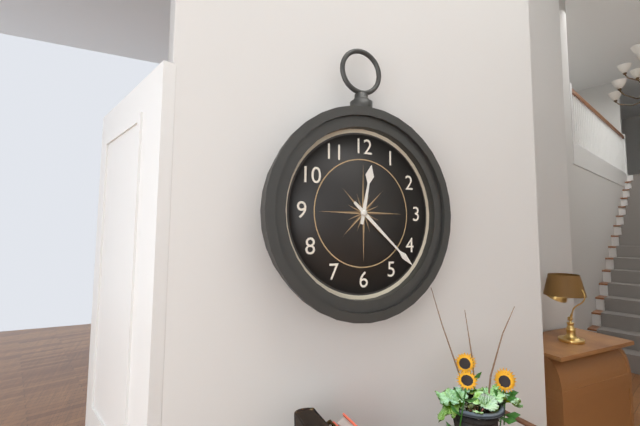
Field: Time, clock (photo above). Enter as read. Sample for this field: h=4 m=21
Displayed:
h=12 m=22
